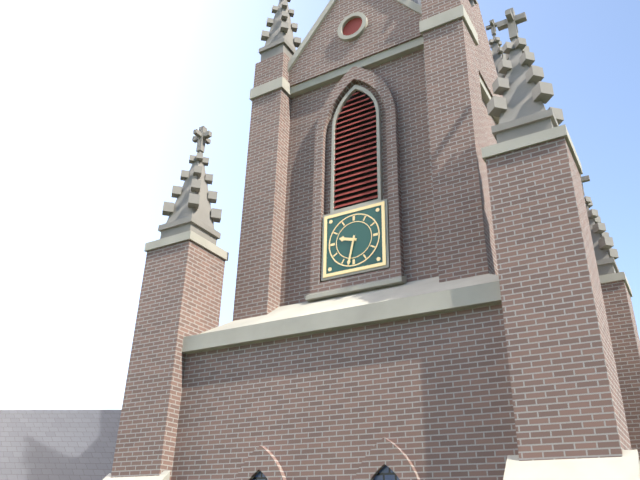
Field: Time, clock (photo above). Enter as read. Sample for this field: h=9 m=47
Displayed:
h=9 m=32
